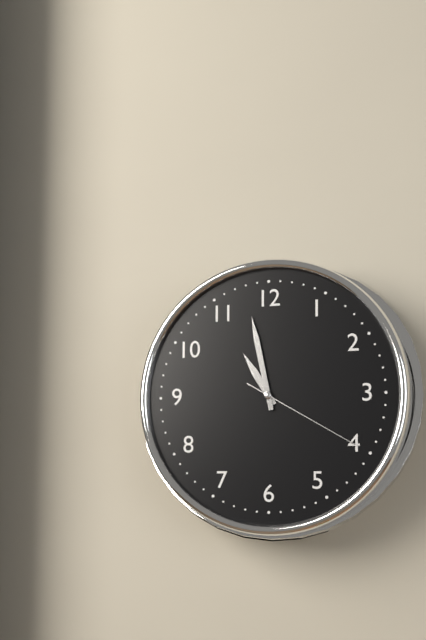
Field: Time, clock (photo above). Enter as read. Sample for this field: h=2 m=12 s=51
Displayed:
h=10 m=58 s=20
